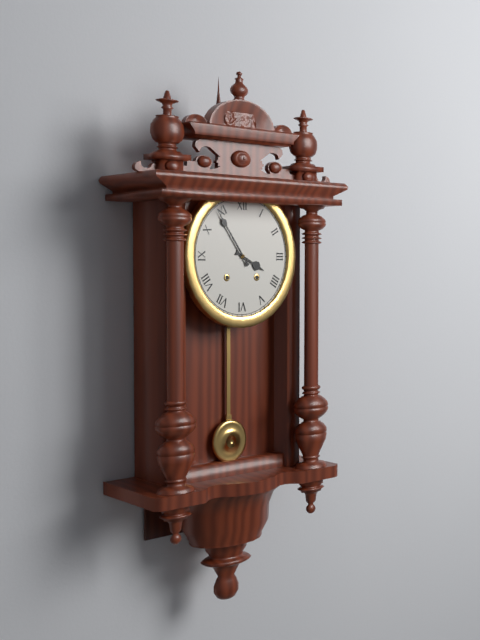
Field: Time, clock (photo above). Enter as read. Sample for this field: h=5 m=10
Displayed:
h=3 m=54
